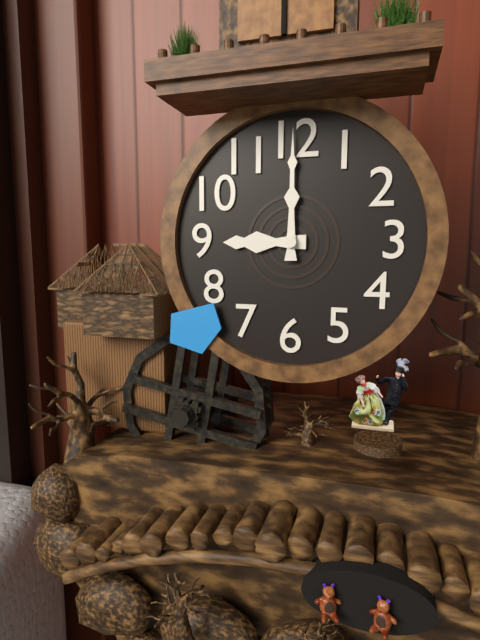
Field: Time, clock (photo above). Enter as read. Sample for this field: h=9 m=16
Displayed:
h=9 m=0
